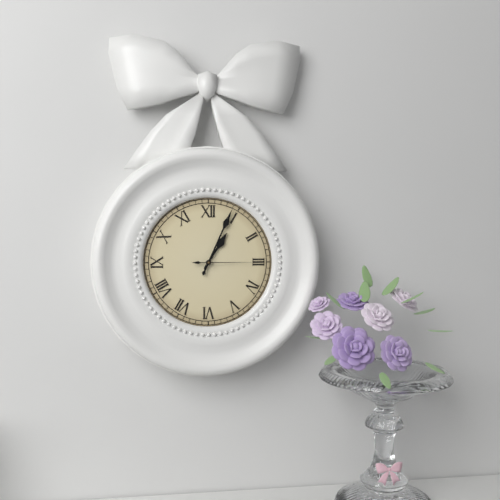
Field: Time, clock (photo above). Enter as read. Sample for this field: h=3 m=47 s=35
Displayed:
h=1 m=4 s=15
